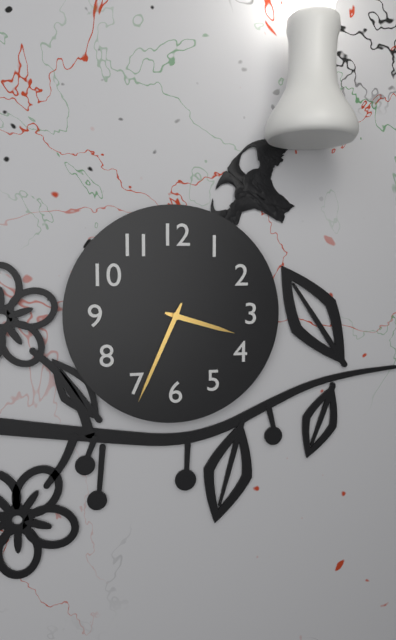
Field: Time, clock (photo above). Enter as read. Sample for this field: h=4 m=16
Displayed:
h=3 m=34
